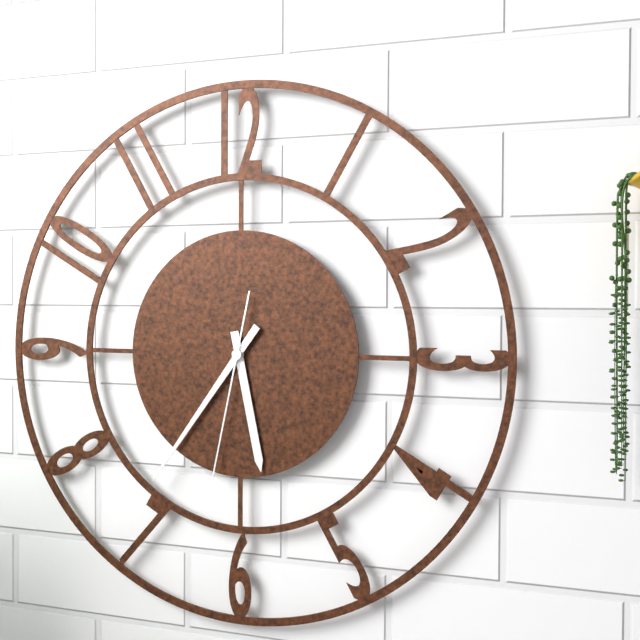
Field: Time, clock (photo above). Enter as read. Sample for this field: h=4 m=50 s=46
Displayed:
h=5 m=36 s=32
